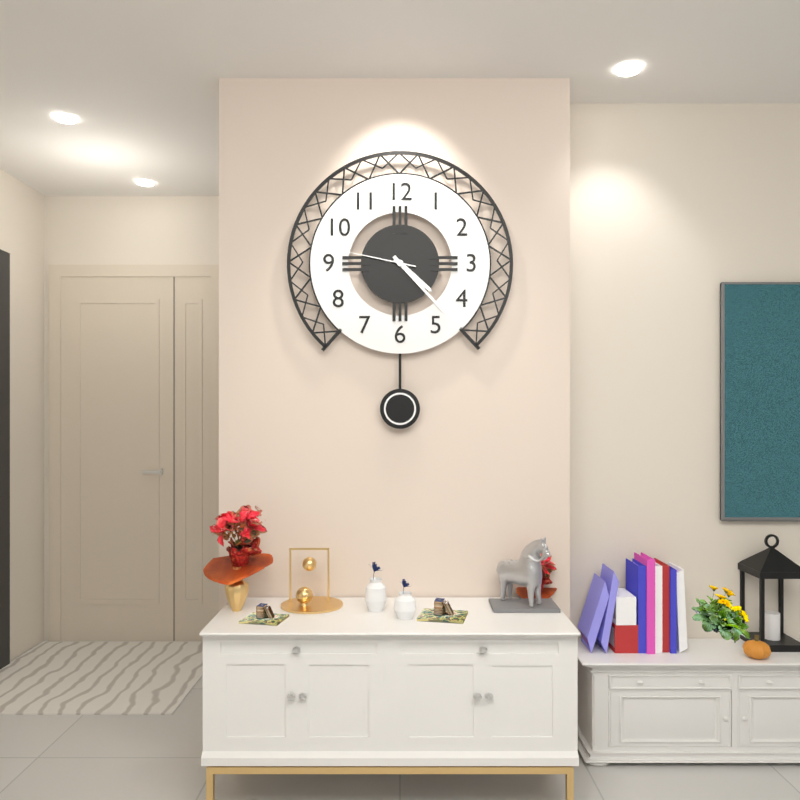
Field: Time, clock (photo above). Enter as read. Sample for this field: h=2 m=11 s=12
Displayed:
h=4 m=23 s=47
